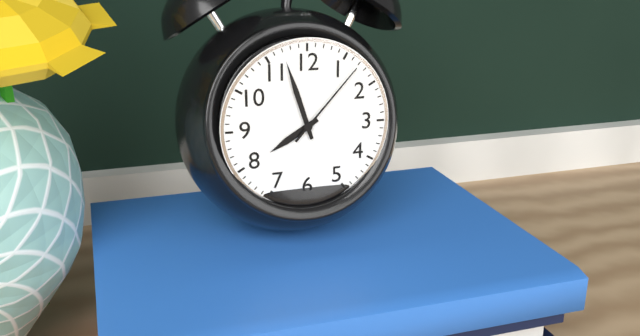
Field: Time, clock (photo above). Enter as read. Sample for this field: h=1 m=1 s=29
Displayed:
h=7 m=57 s=7
